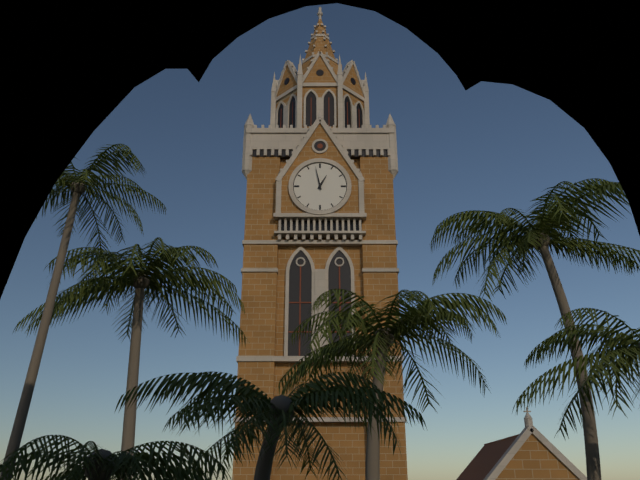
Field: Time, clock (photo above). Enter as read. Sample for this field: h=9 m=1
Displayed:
h=12 m=58
